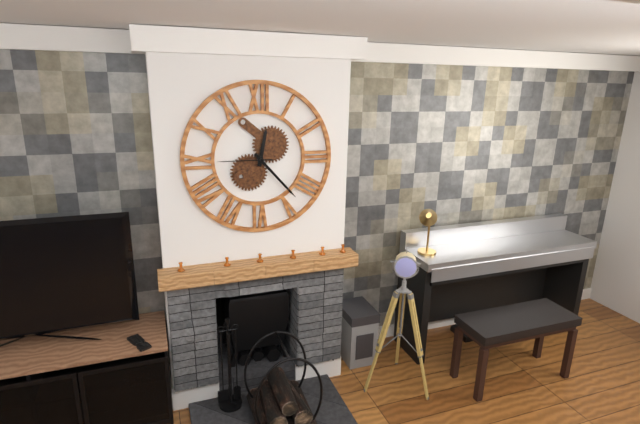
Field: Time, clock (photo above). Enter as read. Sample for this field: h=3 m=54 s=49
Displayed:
h=12 m=23 s=45
